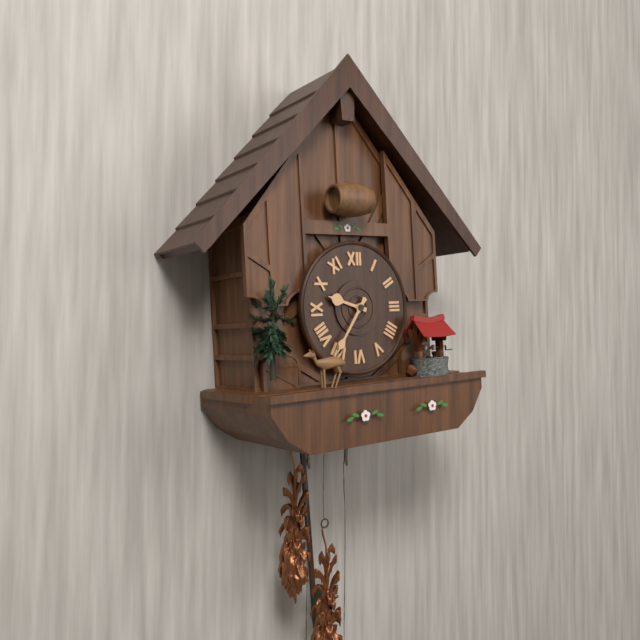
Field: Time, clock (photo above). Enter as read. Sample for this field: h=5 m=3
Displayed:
h=9 m=36
